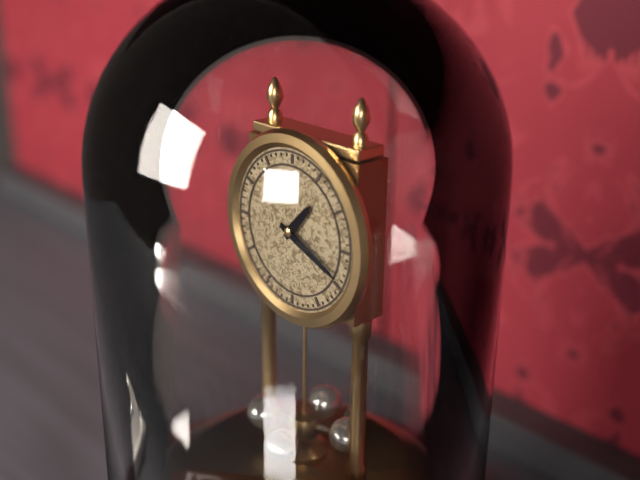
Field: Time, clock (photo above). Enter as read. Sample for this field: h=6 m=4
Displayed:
h=1 m=19
